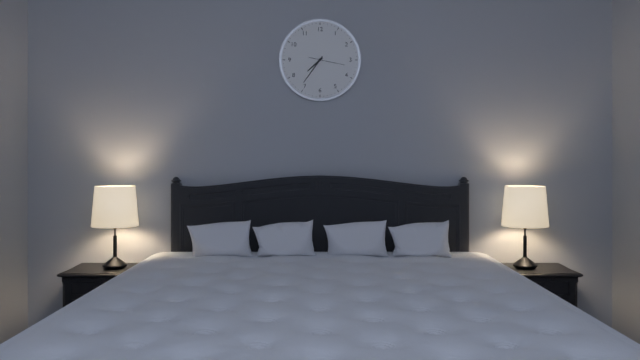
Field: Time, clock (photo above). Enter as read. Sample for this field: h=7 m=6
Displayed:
h=7 m=36
